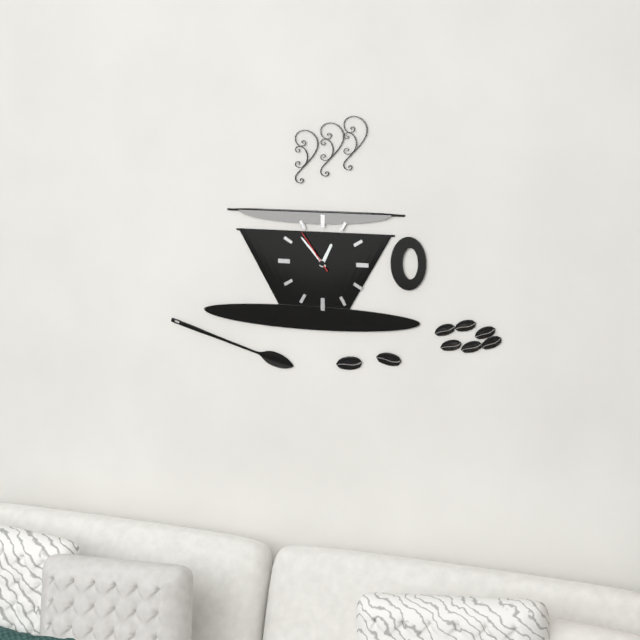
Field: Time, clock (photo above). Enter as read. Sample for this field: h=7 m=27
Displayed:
h=12 m=53
